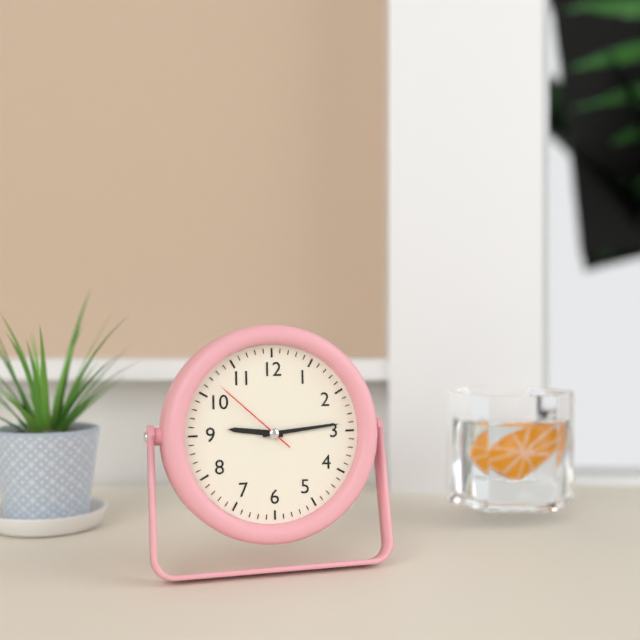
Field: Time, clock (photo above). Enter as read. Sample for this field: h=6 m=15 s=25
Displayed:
h=9 m=14 s=52
